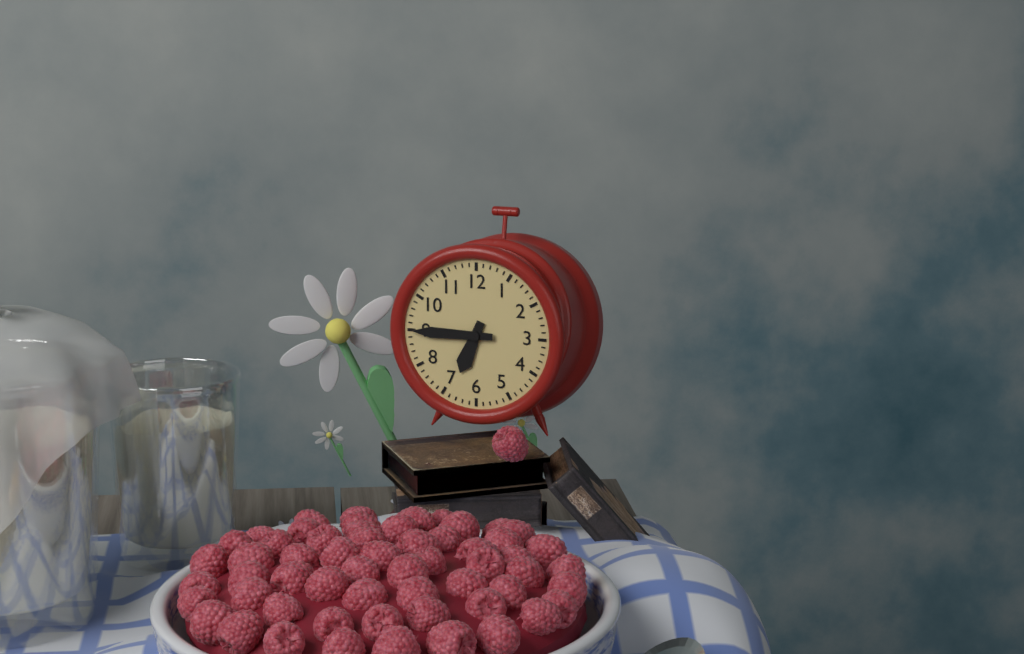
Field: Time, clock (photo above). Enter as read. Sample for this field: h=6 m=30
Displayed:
h=6 m=45
